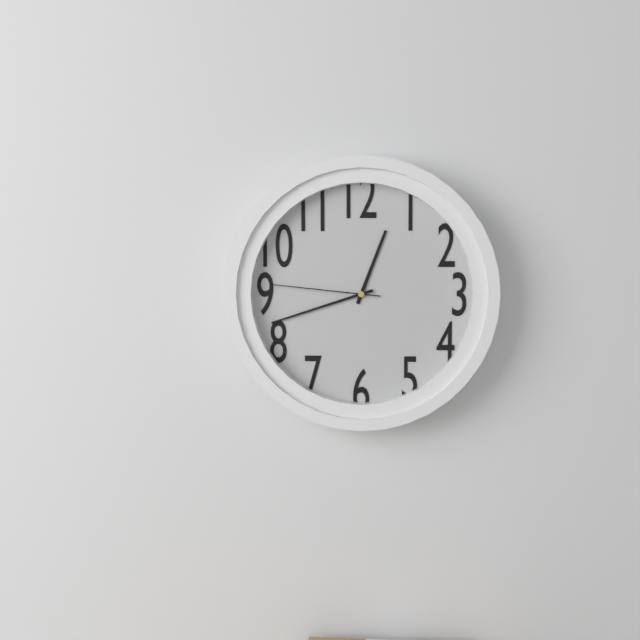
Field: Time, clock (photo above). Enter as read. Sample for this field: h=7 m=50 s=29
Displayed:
h=12 m=42 s=46
